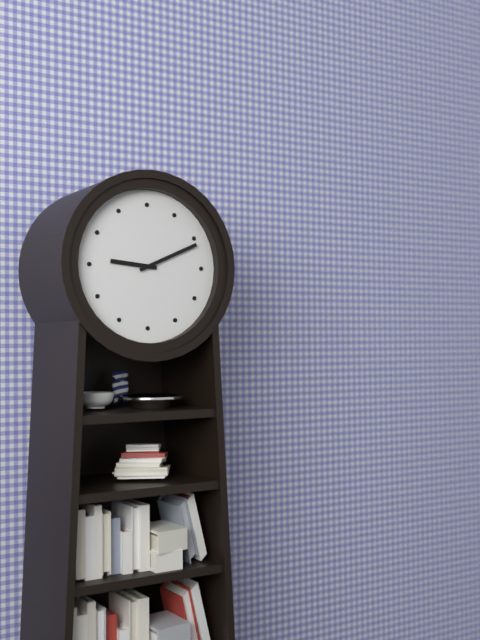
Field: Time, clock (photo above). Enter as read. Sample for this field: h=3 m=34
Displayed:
h=9 m=11
